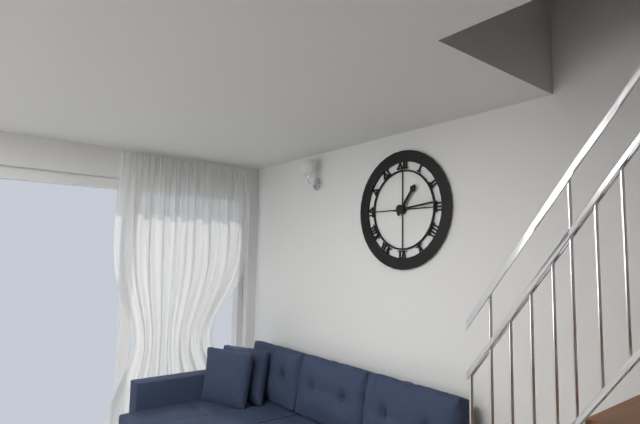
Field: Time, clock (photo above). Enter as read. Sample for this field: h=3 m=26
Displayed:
h=1 m=14
